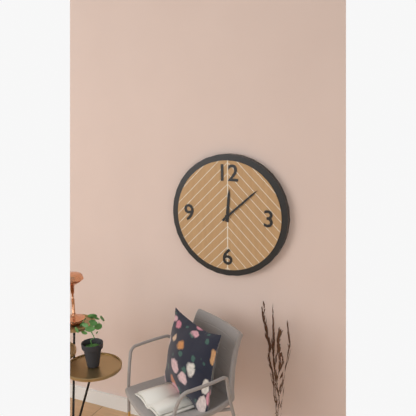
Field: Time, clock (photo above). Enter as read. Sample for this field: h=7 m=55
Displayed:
h=12 m=8
